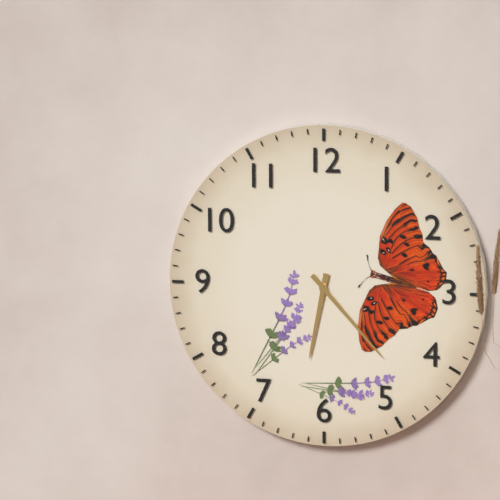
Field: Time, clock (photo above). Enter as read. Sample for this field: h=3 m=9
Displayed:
h=6 m=23
